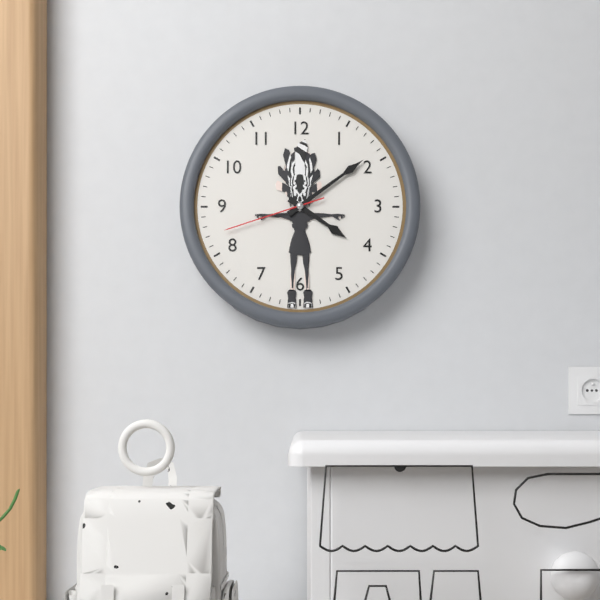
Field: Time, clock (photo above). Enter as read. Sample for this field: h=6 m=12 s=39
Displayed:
h=4 m=9 s=42
